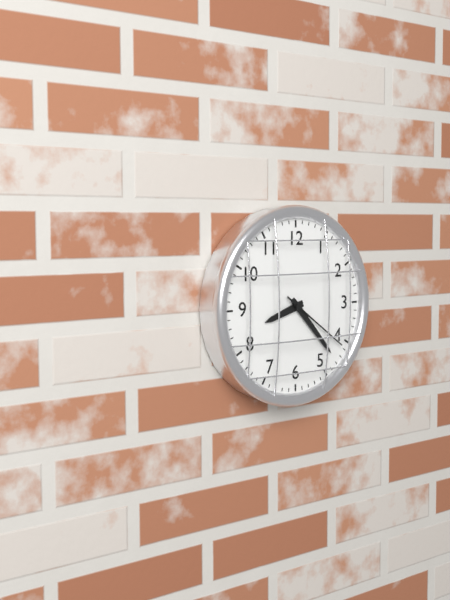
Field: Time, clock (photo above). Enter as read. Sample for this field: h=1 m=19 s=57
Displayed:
h=8 m=23 s=21
